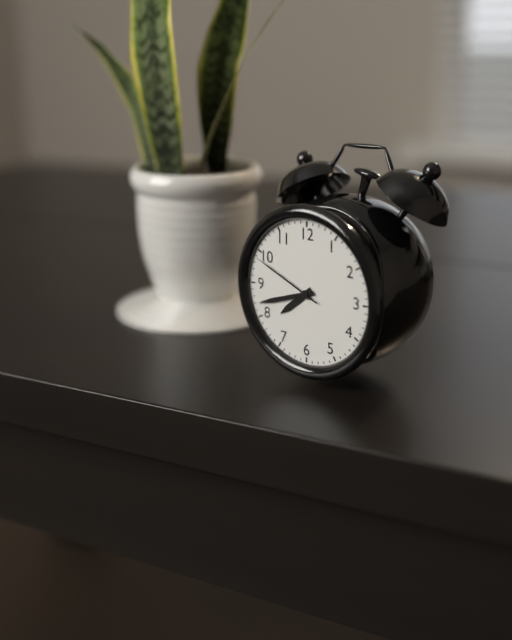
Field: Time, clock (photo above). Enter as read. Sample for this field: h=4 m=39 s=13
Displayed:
h=7 m=42 s=49
